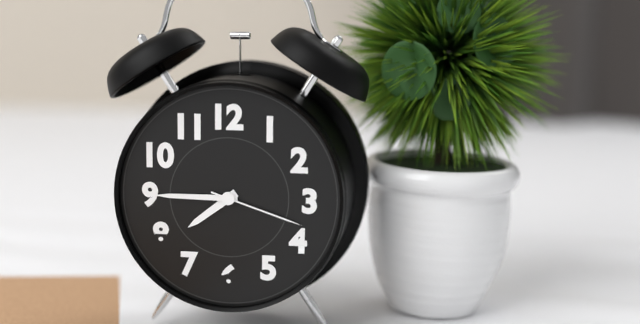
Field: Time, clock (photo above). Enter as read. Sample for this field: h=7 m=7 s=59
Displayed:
h=7 m=45 s=18
